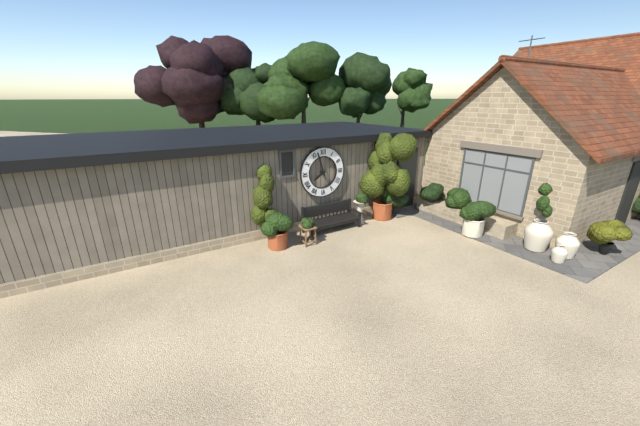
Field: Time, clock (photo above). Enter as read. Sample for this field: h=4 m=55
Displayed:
h=7 m=57
